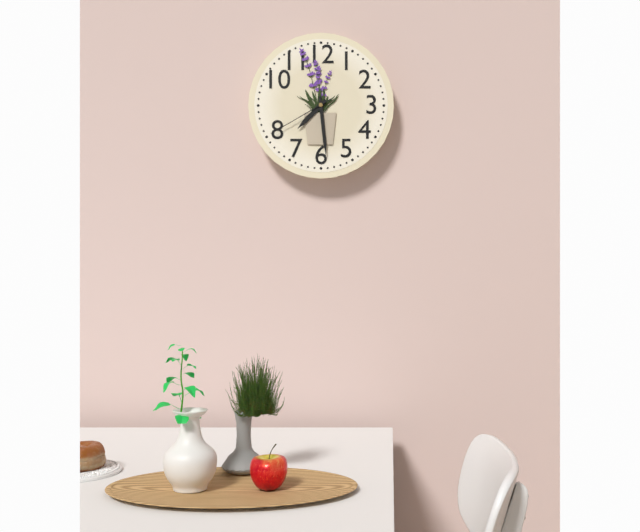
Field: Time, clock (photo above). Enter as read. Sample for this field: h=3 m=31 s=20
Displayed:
h=7 m=29 s=40
